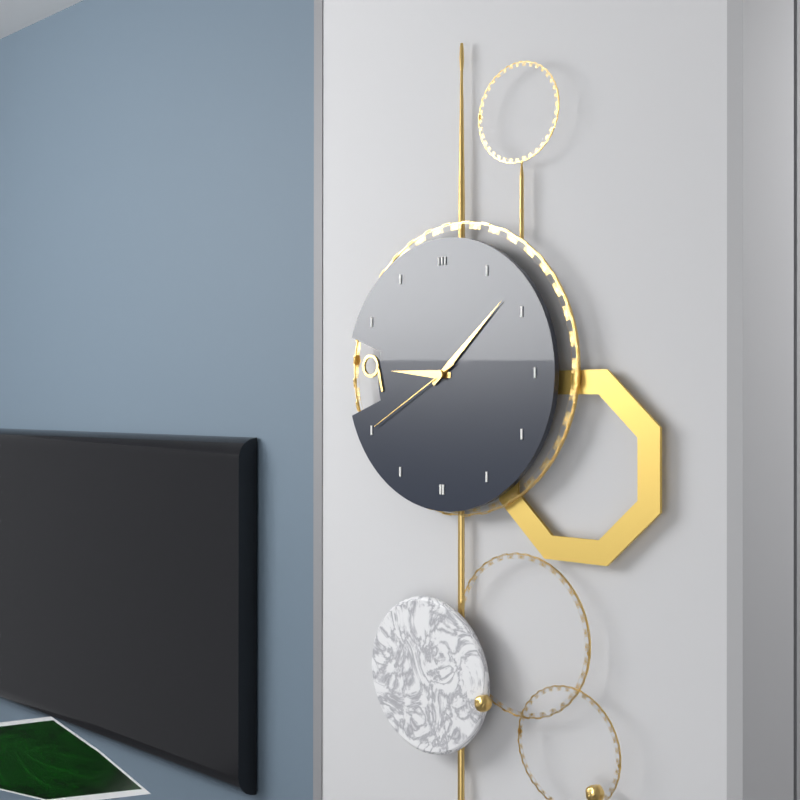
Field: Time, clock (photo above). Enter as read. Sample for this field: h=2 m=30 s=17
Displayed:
h=9 m=8 s=40
